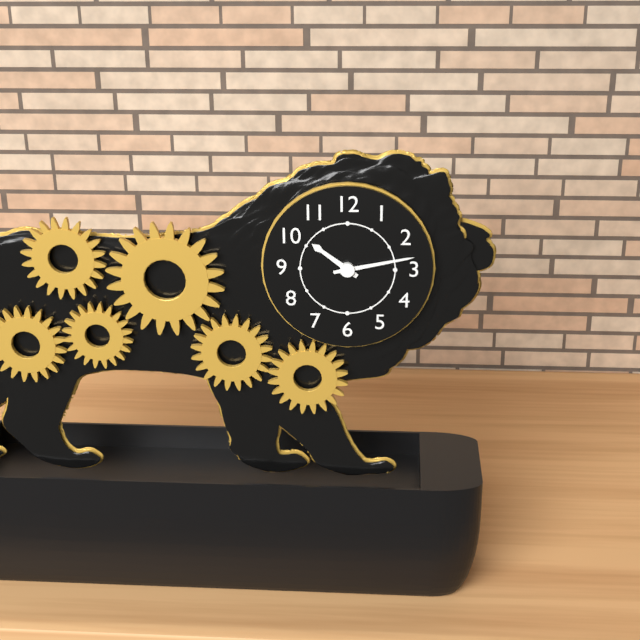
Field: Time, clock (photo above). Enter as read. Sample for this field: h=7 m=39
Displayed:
h=10 m=13
